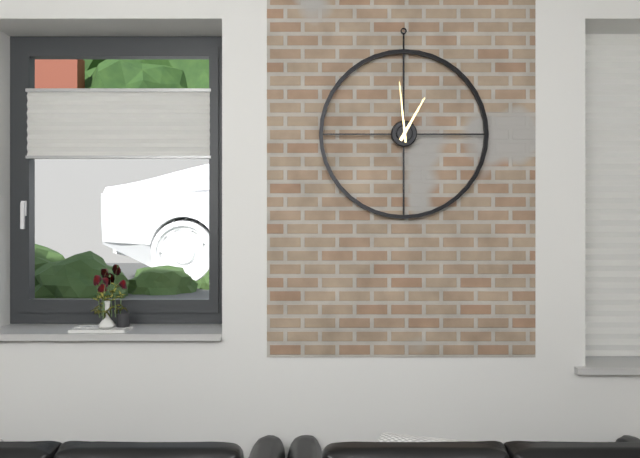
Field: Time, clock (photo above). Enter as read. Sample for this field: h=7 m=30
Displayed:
h=12 m=59
